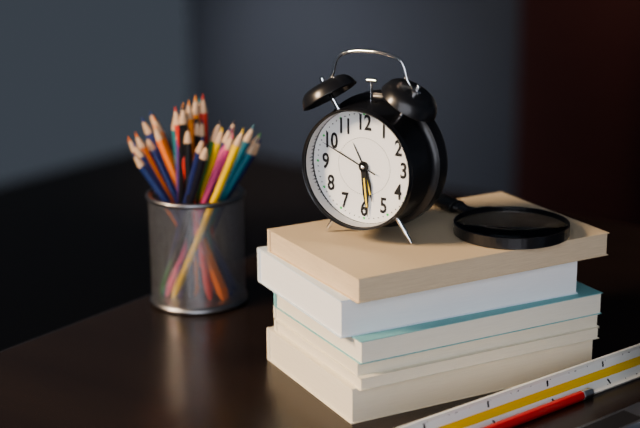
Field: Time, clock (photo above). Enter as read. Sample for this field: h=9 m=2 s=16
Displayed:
h=5 m=29 s=49
